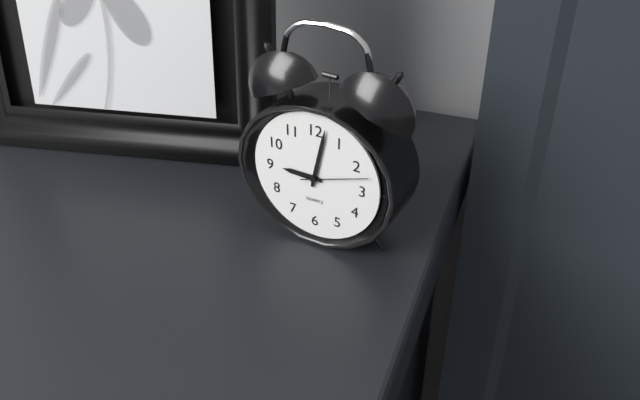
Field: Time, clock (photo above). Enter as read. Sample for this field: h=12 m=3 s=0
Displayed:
h=9 m=2 s=12
